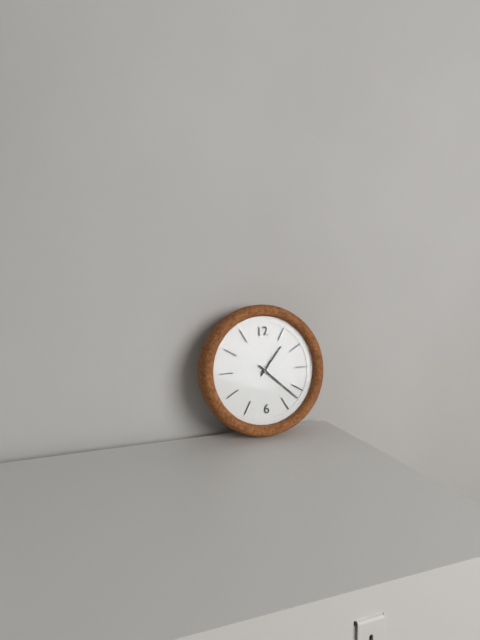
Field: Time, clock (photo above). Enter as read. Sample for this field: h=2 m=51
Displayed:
h=1 m=22
